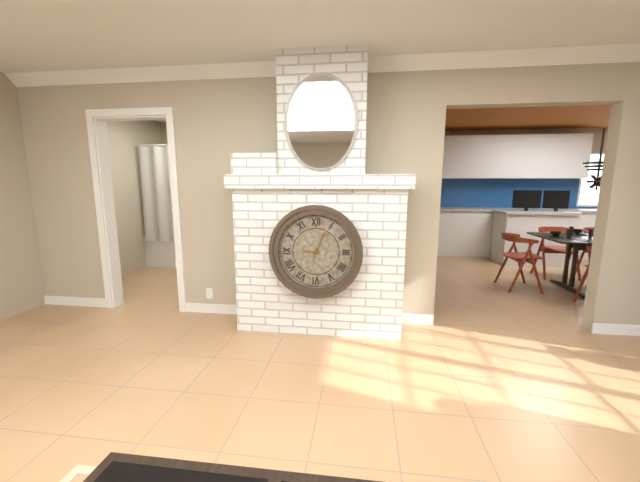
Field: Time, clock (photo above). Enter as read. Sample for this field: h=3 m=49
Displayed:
h=9 m=4
